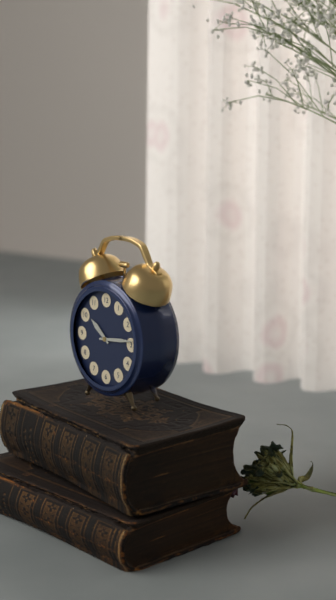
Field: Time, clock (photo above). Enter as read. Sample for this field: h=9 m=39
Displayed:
h=10 m=14
